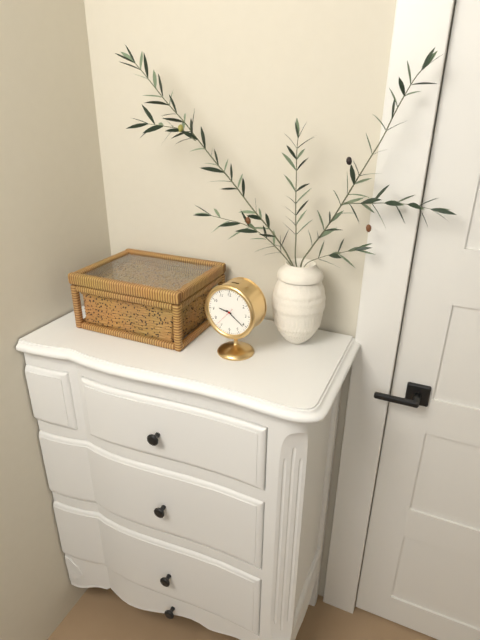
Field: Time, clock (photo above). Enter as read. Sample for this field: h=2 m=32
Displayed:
h=9 m=21
